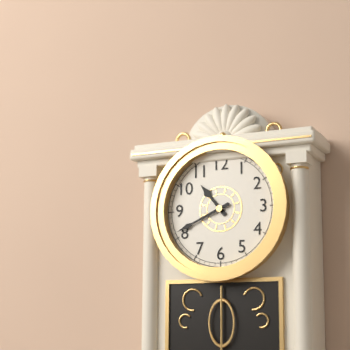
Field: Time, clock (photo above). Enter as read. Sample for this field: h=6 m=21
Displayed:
h=10 m=41
